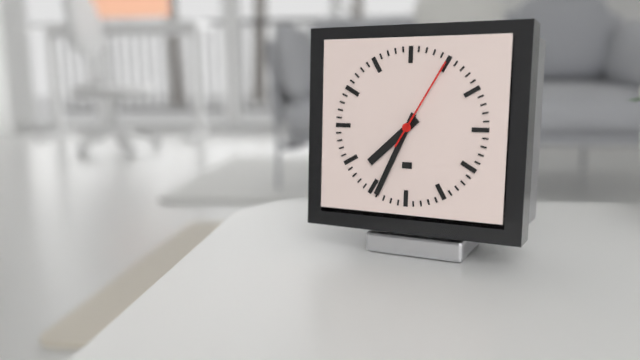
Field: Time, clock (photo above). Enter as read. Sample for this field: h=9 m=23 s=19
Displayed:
h=7 m=34 s=5
